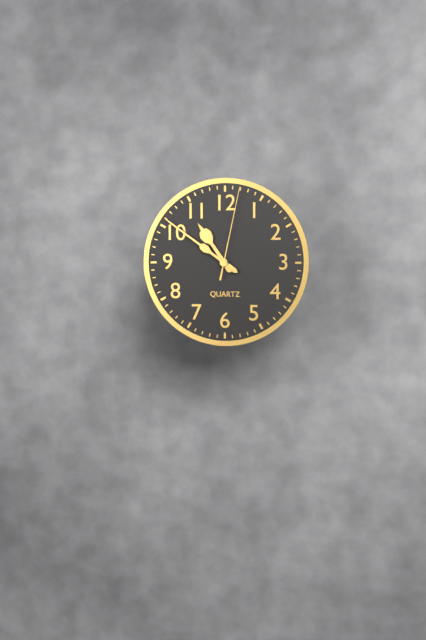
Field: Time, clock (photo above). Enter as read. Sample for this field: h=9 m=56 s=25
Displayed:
h=10 m=51 s=2
